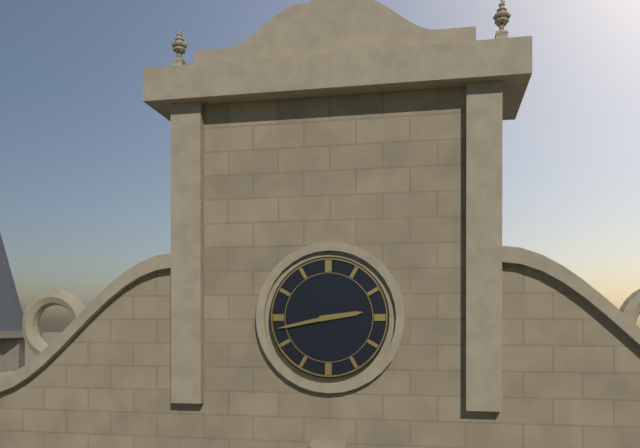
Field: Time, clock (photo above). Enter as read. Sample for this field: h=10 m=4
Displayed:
h=2 m=43
